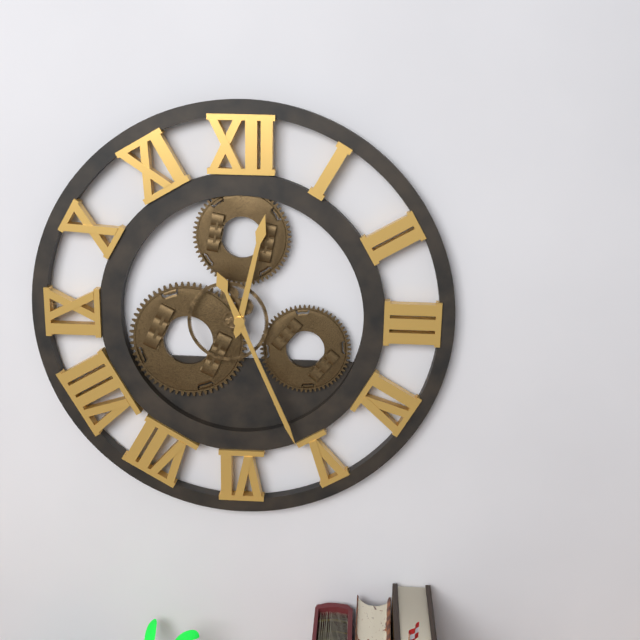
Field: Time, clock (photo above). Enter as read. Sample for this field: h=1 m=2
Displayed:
h=12 m=26
